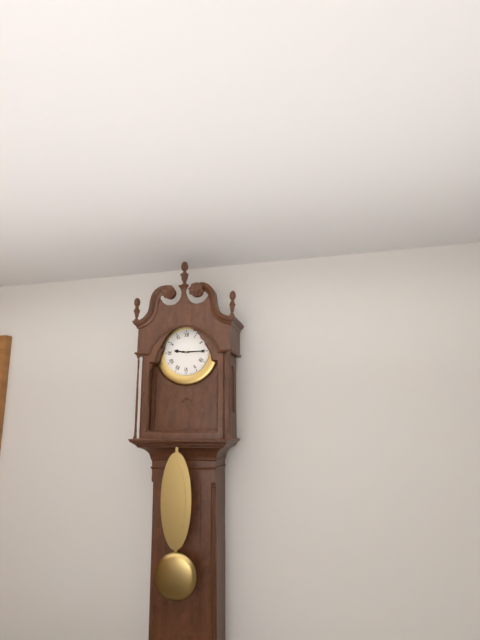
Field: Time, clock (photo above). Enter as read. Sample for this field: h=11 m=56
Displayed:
h=9 m=15
